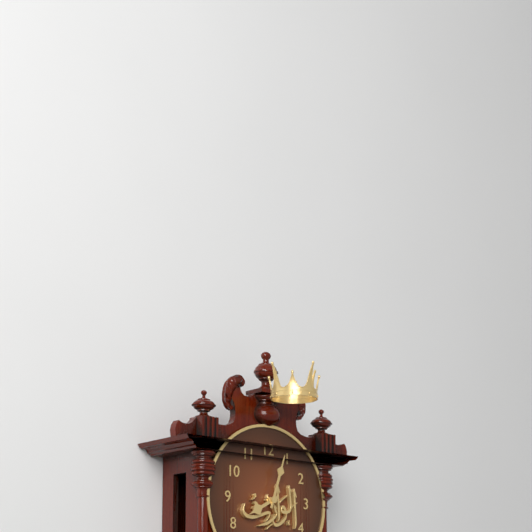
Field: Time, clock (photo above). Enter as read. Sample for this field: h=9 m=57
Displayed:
h=8 m=3
